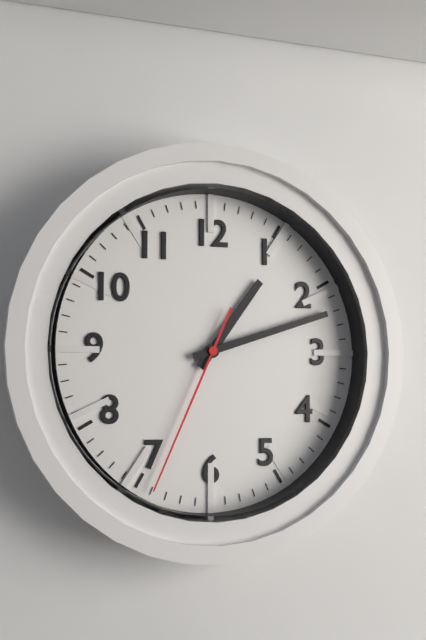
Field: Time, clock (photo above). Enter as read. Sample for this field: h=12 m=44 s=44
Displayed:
h=1 m=12 s=34
